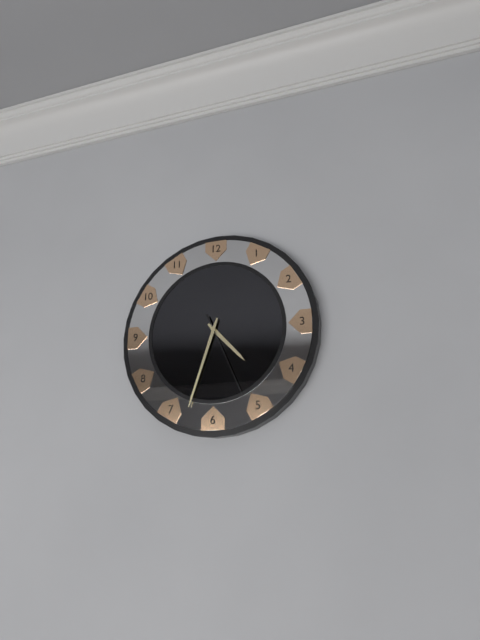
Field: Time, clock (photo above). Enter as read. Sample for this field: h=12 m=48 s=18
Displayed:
h=4 m=33 s=26
